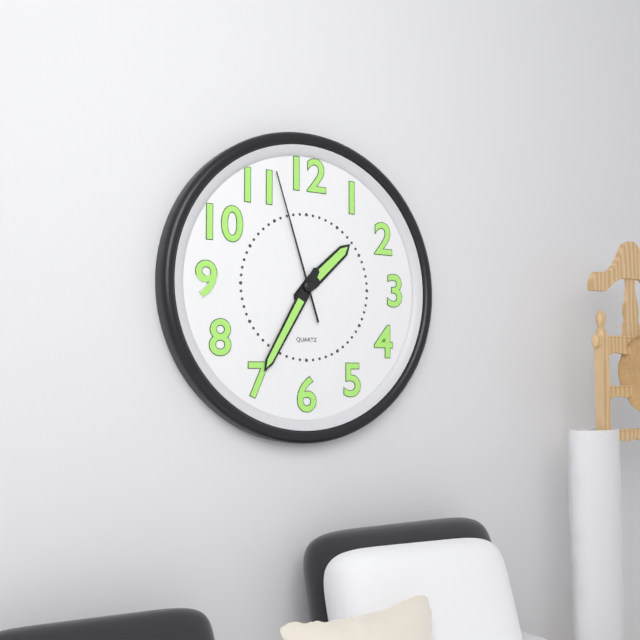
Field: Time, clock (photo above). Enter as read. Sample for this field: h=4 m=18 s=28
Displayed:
h=1 m=35 s=57
